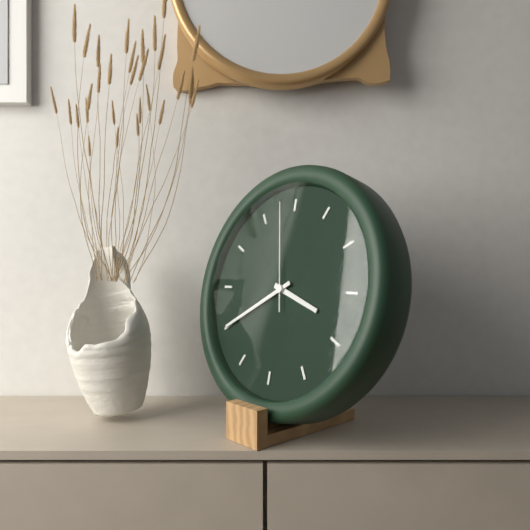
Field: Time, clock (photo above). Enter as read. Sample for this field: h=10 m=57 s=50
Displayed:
h=3 m=40 s=58
